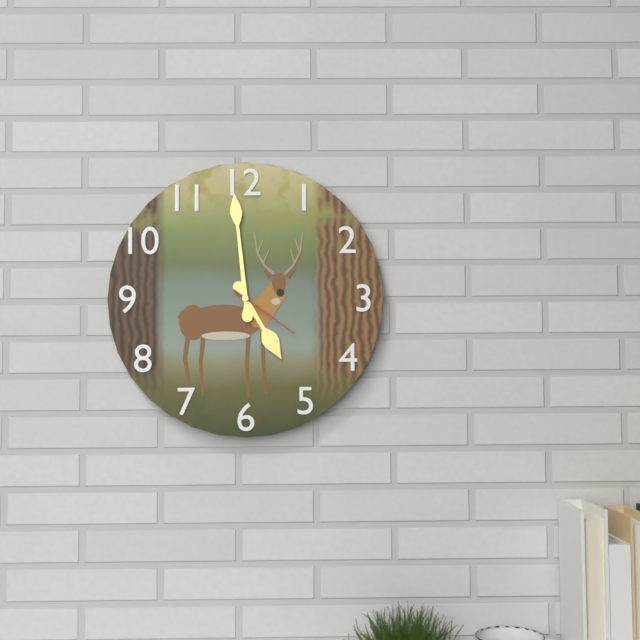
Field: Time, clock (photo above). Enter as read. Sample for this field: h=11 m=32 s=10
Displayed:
h=4 m=59 s=21
